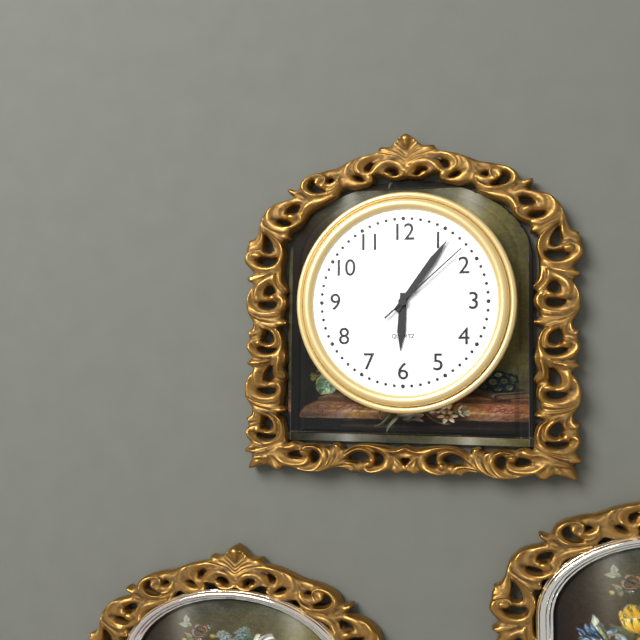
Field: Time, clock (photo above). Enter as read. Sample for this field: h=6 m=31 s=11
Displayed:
h=6 m=6 s=8
